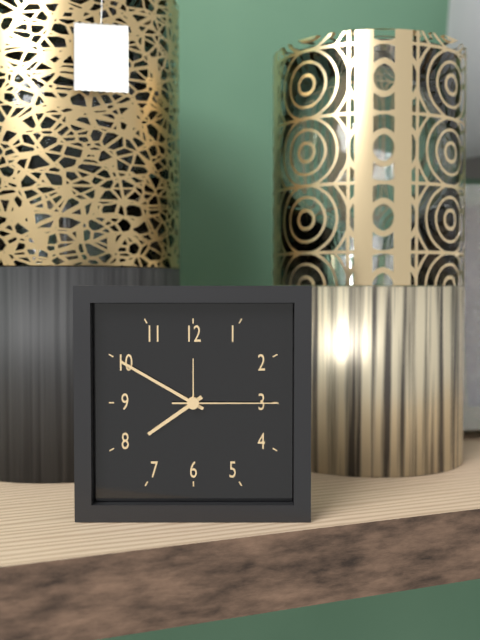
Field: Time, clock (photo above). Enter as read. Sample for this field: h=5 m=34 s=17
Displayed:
h=7 m=50 s=15
